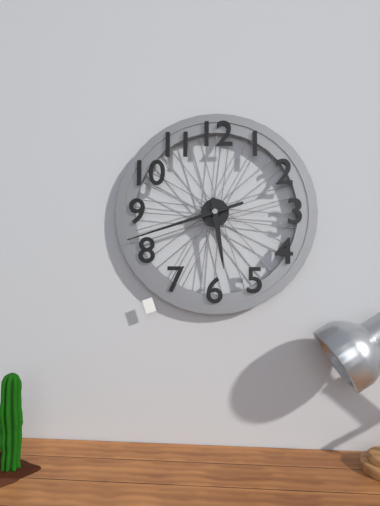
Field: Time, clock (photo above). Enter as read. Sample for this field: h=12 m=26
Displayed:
h=5 m=42
